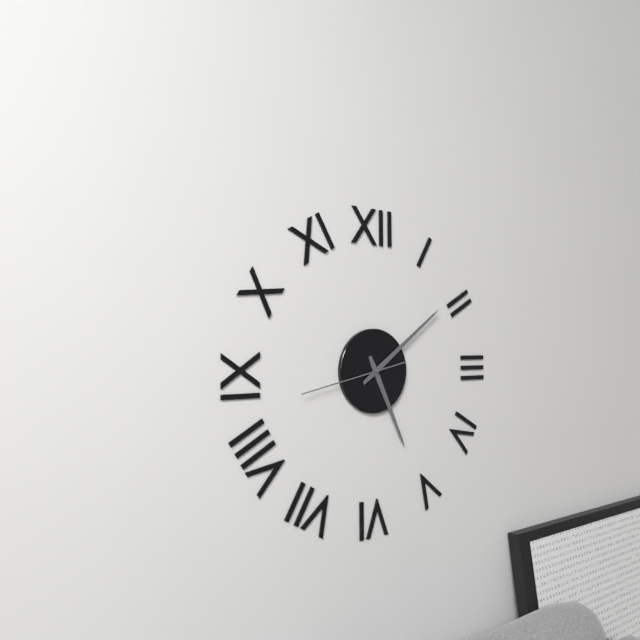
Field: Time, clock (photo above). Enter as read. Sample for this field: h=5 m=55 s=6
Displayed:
h=5 m=9 s=43
